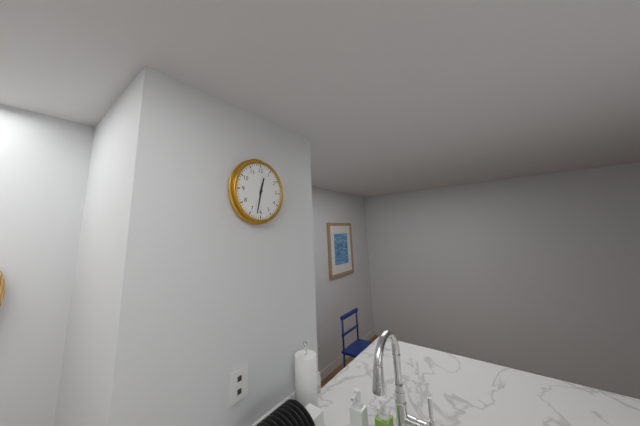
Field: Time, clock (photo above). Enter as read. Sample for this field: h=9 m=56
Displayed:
h=12 m=32
